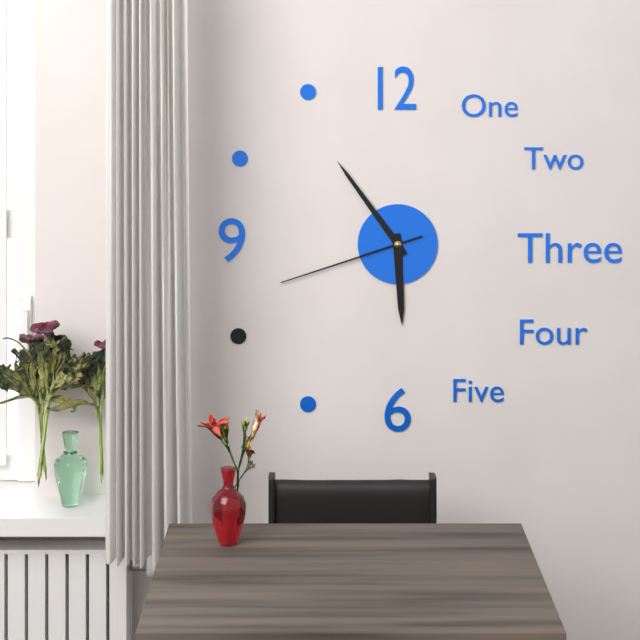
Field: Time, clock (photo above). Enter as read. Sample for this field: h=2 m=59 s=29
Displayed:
h=5 m=54 s=42
